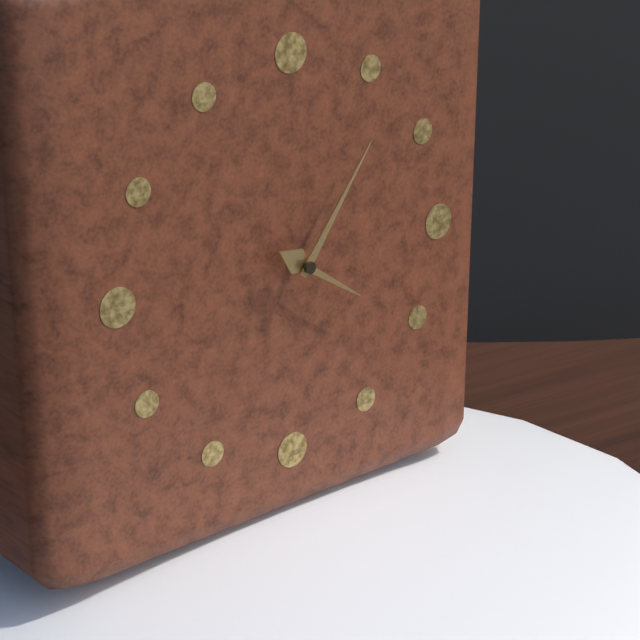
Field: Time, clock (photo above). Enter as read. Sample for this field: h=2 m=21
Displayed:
h=4 m=6
